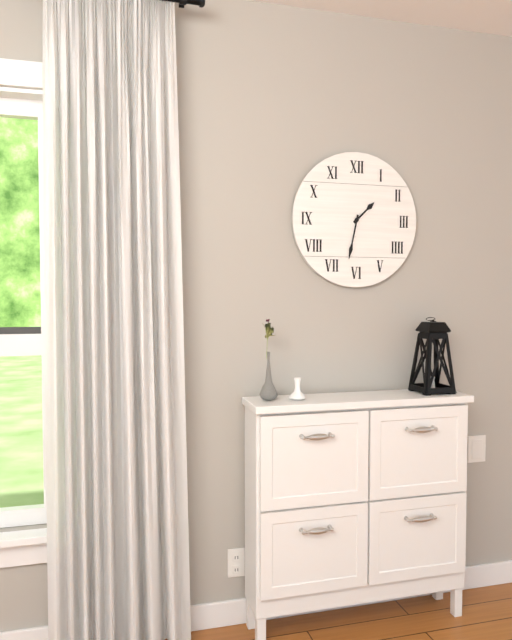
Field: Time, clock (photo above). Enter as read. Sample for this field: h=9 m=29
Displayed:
h=1 m=32
